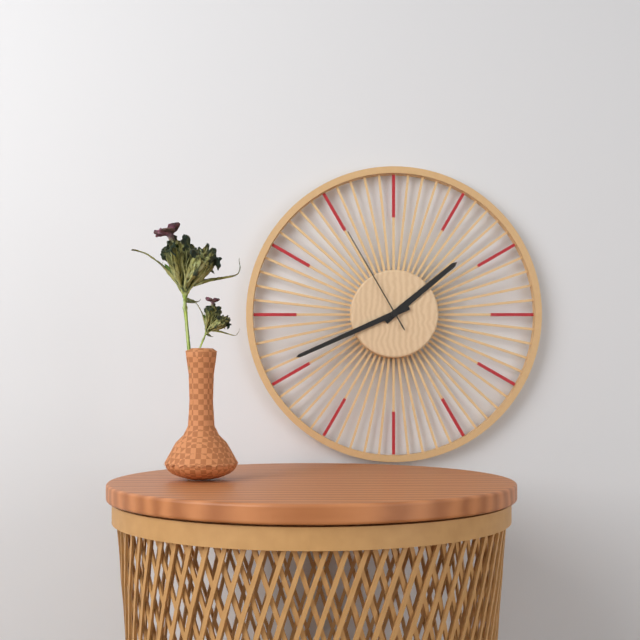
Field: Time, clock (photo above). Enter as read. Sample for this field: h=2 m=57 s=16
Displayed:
h=1 m=41 s=55
